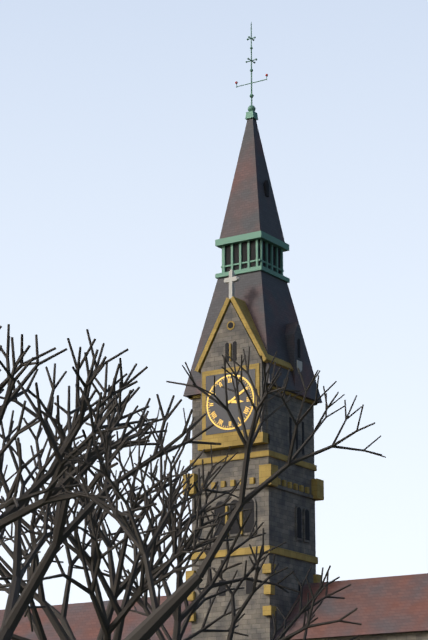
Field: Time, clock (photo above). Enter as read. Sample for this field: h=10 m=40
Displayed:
h=3 m=10
